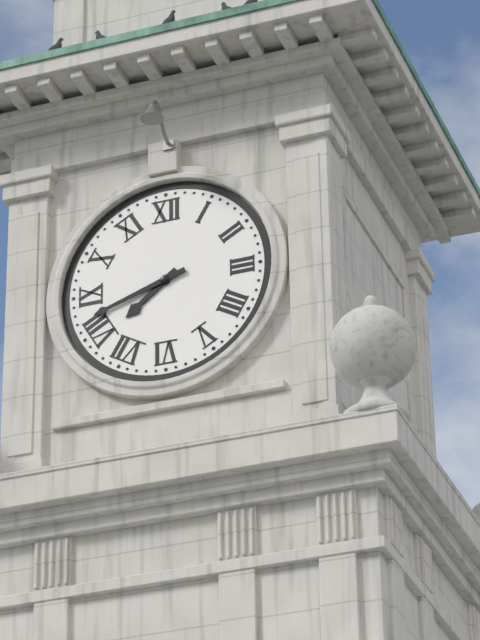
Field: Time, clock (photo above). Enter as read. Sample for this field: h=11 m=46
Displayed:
h=7 m=42
